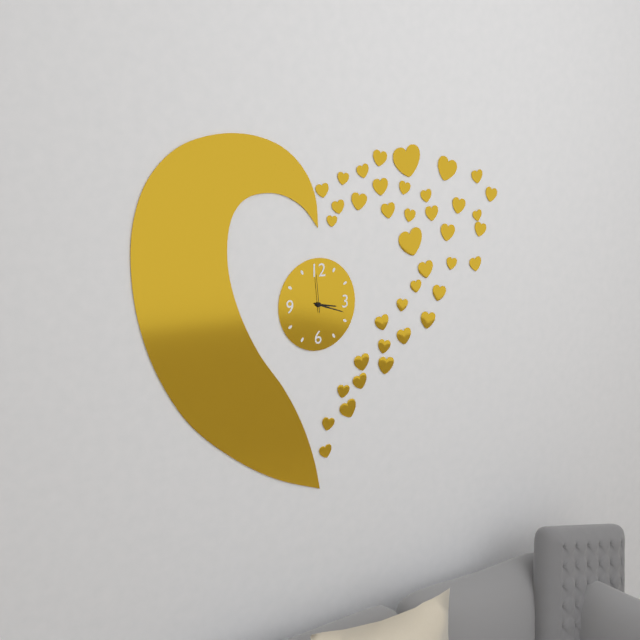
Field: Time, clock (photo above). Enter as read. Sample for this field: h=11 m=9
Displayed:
h=3 m=18
